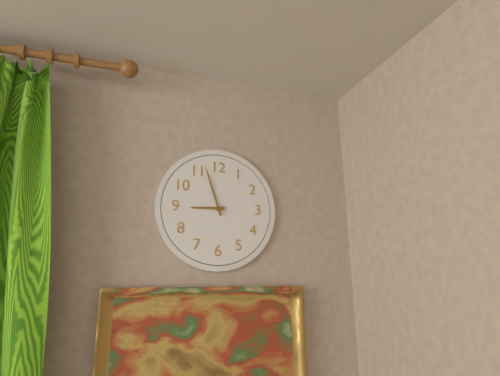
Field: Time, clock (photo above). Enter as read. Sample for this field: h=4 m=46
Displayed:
h=8 m=57
